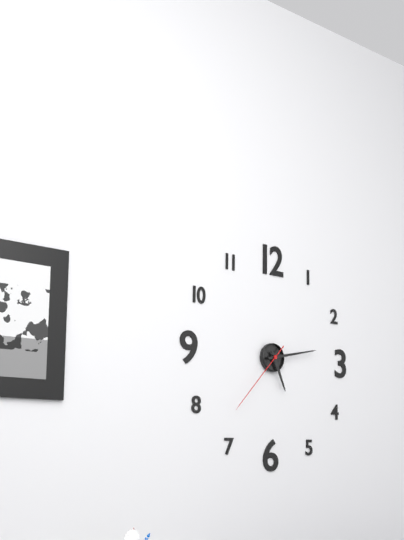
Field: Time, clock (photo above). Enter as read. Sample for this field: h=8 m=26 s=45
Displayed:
h=5 m=13 s=37
